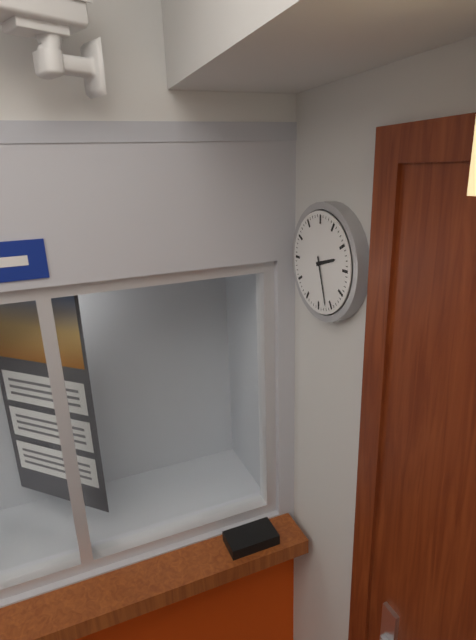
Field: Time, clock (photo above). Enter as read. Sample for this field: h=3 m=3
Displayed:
h=2 m=27
